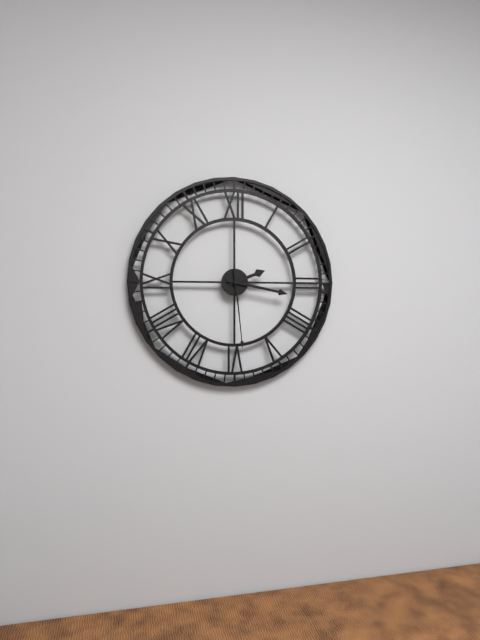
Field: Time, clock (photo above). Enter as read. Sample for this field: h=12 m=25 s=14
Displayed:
h=2 m=17 s=29
